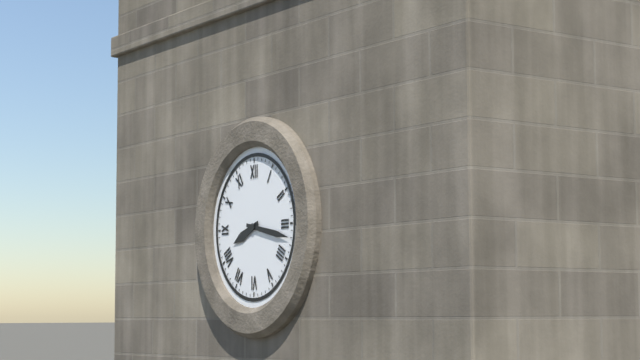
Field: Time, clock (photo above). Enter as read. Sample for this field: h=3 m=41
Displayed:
h=8 m=17
